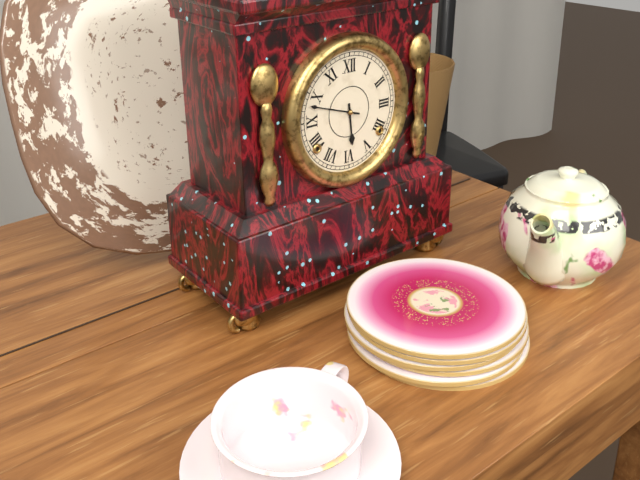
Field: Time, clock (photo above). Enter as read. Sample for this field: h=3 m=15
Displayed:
h=5 m=48
